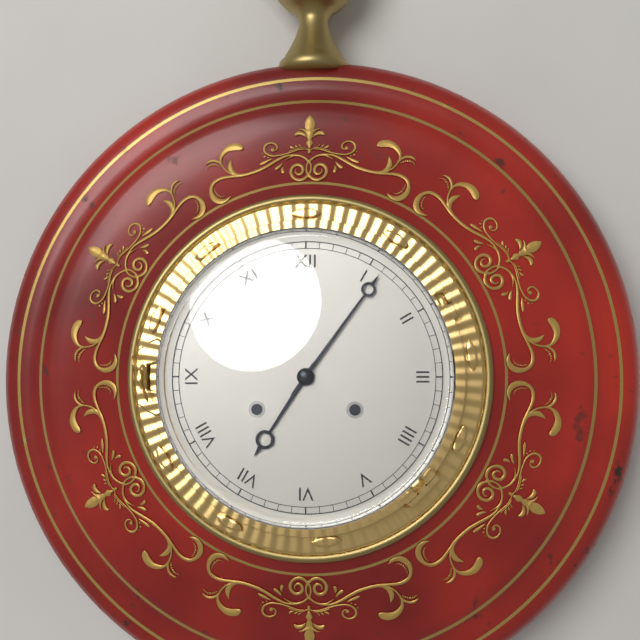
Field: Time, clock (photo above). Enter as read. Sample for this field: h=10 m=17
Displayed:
h=7 m=6
